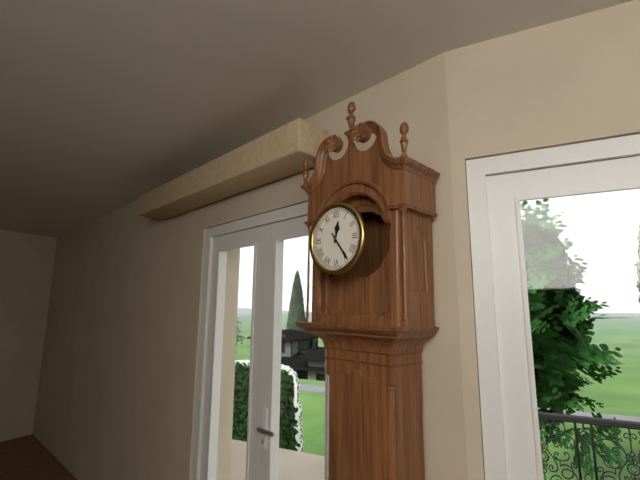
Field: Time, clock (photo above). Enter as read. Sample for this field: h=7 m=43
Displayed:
h=12 m=24
